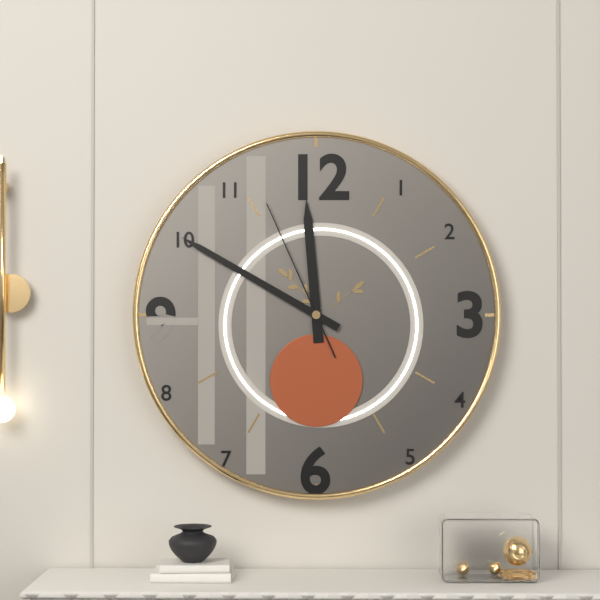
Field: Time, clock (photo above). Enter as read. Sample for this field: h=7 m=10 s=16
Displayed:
h=11 m=50 s=56
